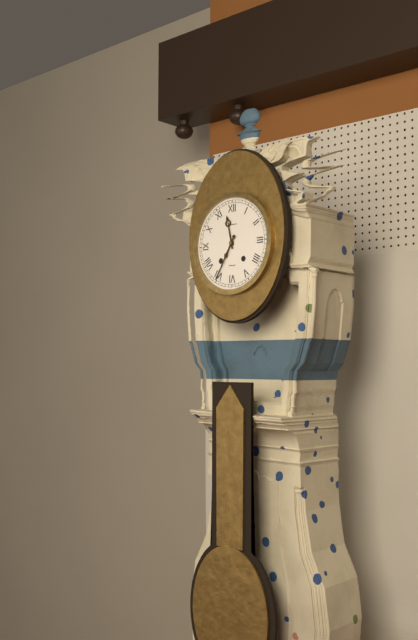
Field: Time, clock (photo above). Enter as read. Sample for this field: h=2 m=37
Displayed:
h=11 m=35
